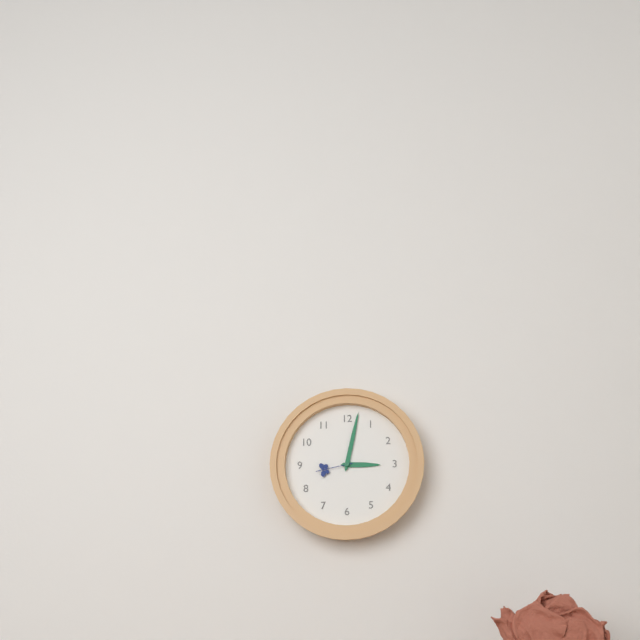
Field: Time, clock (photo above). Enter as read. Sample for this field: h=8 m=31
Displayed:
h=3 m=2
